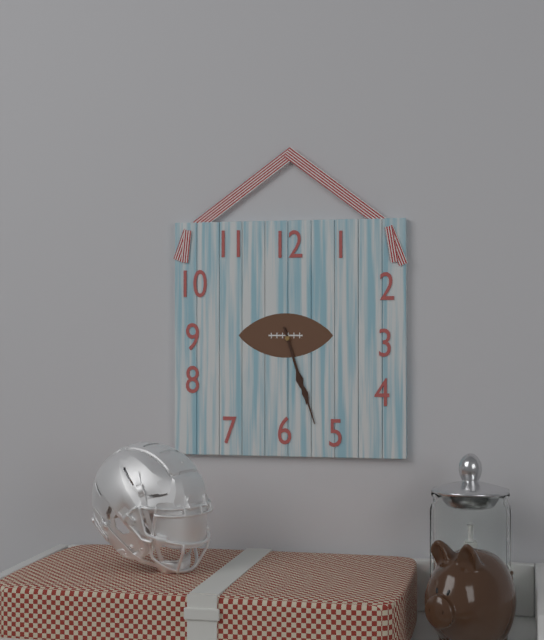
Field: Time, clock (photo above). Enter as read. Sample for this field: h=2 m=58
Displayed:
h=5 m=27
